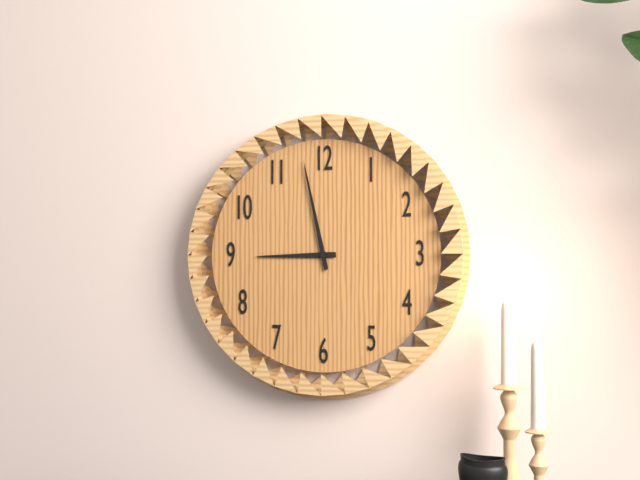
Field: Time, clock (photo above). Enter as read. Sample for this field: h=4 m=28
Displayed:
h=8 m=58
